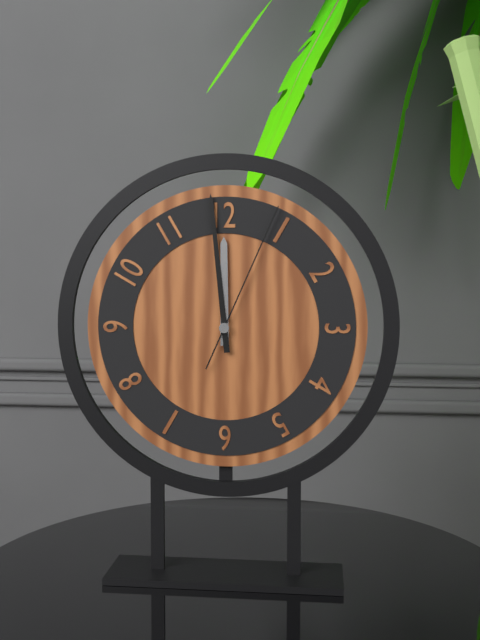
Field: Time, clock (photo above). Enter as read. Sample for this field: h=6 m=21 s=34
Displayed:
h=11 m=59 s=4
